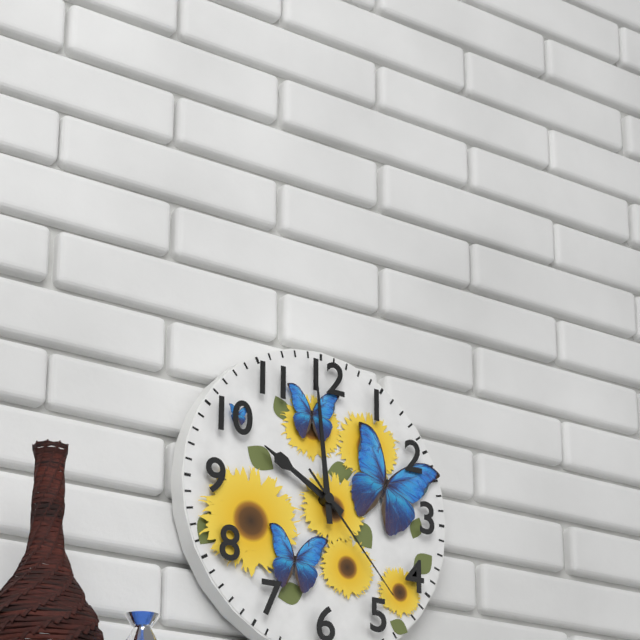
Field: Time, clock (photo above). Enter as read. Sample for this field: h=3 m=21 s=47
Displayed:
h=9 m=59 s=23
